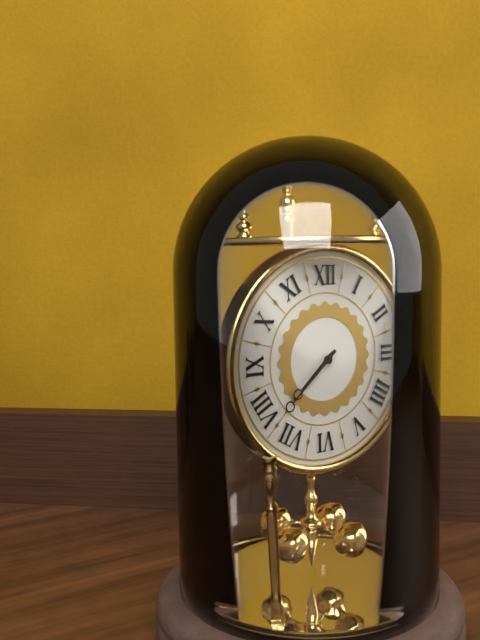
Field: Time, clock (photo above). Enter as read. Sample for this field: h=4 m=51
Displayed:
h=7 m=38
